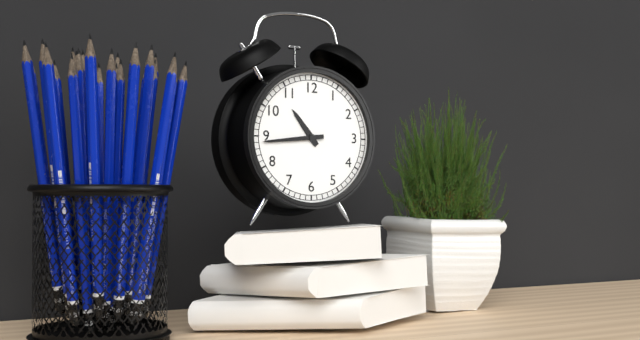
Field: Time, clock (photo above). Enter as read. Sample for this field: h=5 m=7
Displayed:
h=10 m=44
